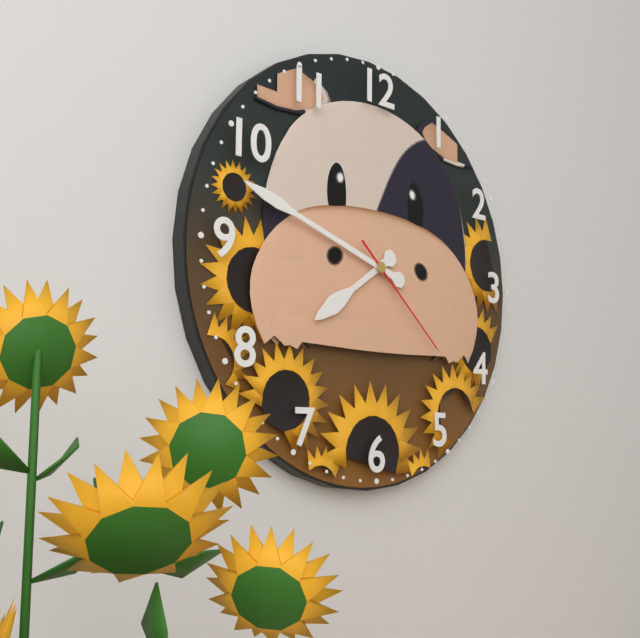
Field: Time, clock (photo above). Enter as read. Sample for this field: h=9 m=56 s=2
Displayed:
h=7 m=48 s=22
